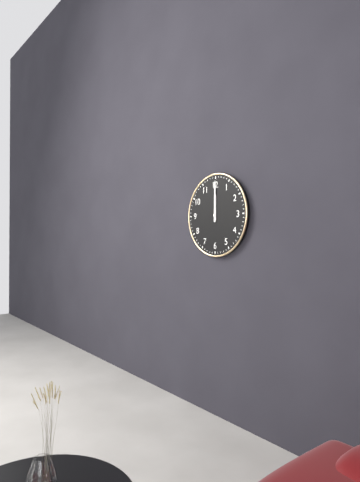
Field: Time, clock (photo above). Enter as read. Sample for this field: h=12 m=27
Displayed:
h=12 m=0
